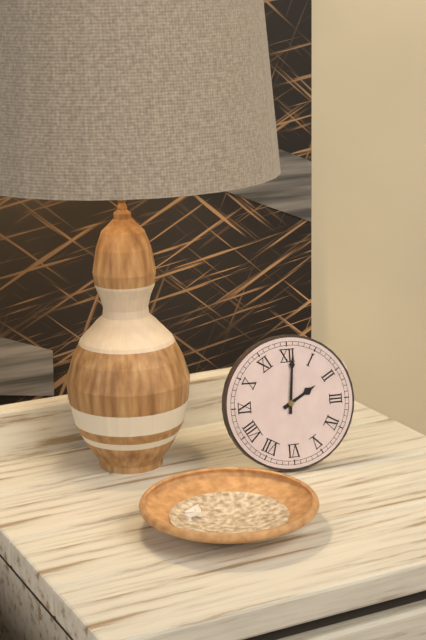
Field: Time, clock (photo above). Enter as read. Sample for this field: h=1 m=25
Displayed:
h=2 m=1
